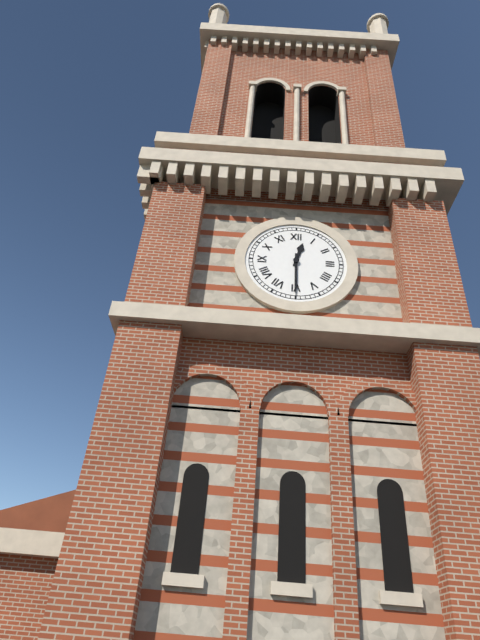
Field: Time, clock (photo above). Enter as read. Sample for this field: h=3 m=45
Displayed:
h=12 m=30
